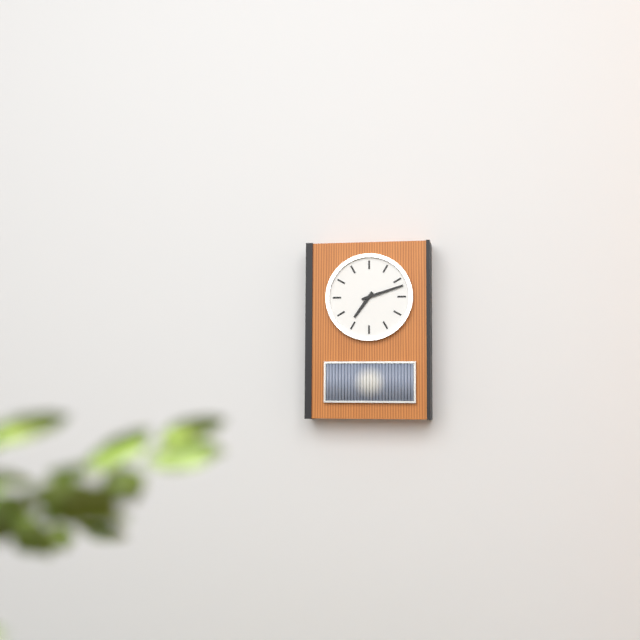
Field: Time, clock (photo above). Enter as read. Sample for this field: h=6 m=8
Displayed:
h=7 m=12
